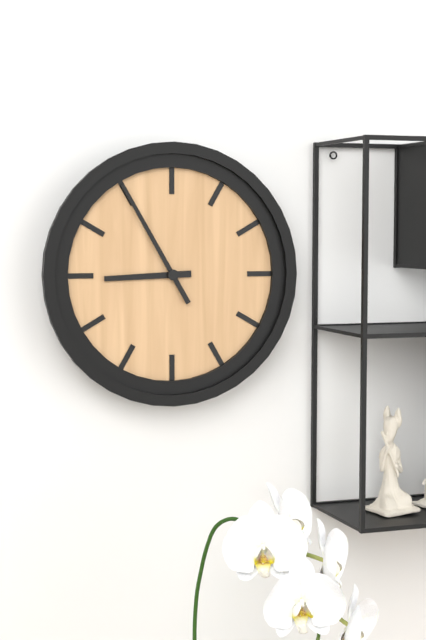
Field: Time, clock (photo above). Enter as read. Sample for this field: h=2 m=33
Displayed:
h=8 m=55
